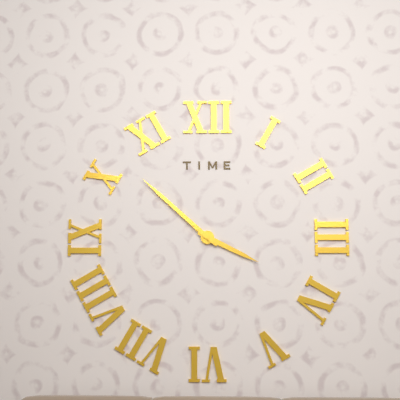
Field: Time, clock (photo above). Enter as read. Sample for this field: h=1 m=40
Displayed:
h=3 m=52
